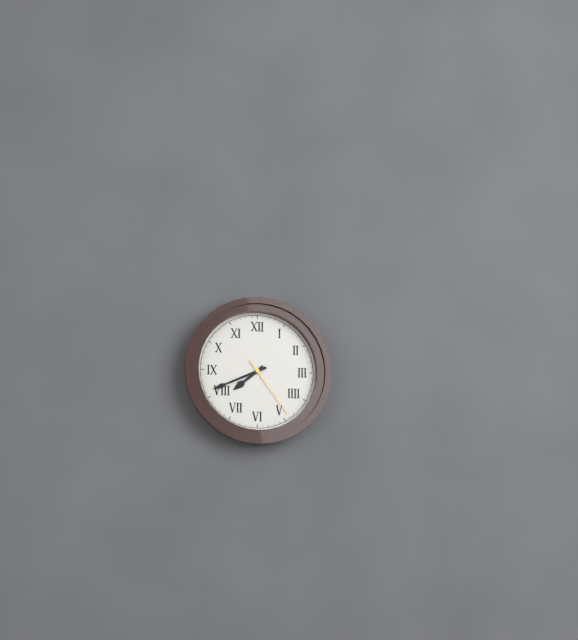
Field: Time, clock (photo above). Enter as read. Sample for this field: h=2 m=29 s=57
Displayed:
h=7 m=41 s=24
